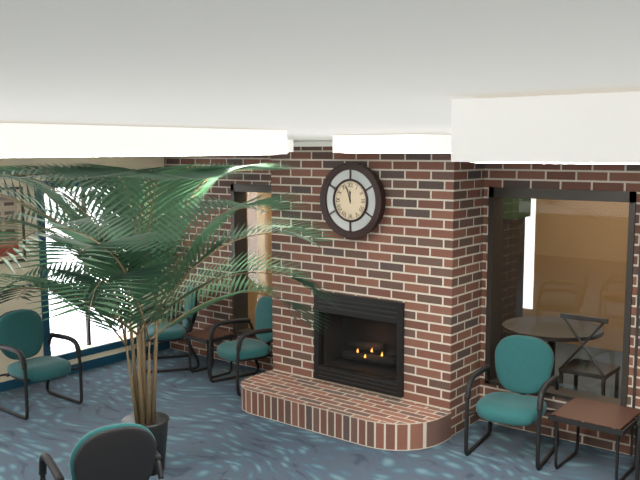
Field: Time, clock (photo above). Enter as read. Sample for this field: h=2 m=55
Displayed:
h=11 m=57
